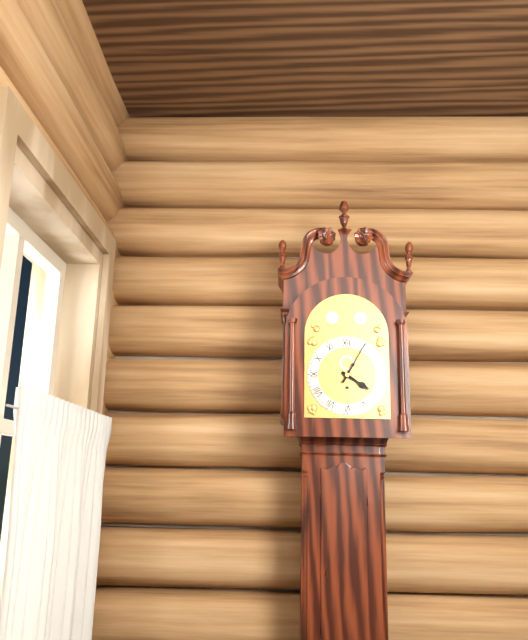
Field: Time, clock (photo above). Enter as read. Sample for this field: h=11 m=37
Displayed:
h=4 m=5
